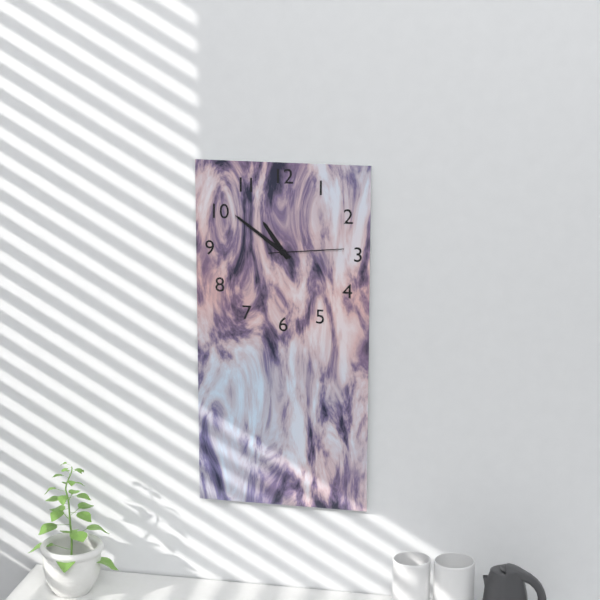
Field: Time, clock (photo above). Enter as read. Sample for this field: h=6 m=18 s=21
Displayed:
h=10 m=51 s=14
